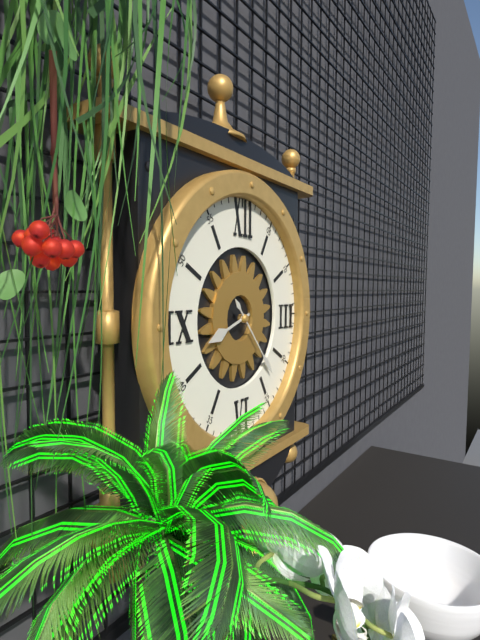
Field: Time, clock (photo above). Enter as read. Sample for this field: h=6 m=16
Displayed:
h=8 m=23
